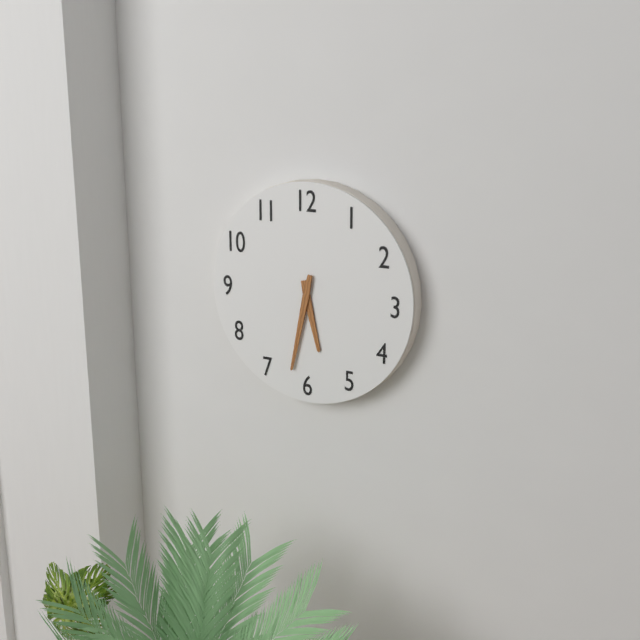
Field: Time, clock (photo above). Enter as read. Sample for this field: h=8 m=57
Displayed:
h=5 m=32
